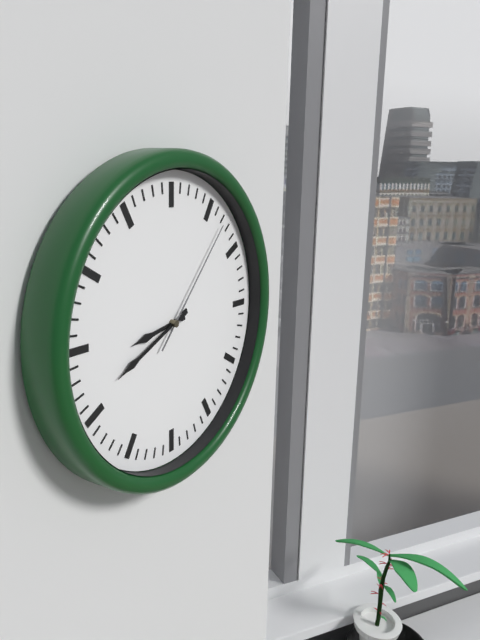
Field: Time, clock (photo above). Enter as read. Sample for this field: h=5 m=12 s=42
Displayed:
h=8 m=41 s=7
